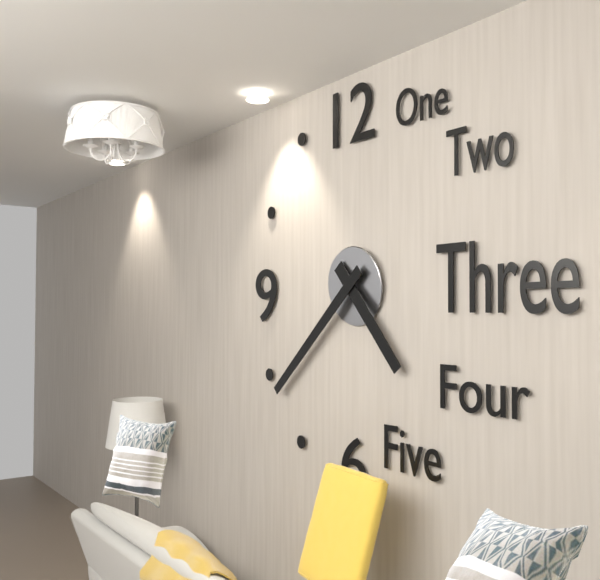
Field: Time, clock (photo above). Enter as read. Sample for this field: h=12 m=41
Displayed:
h=4 m=38
